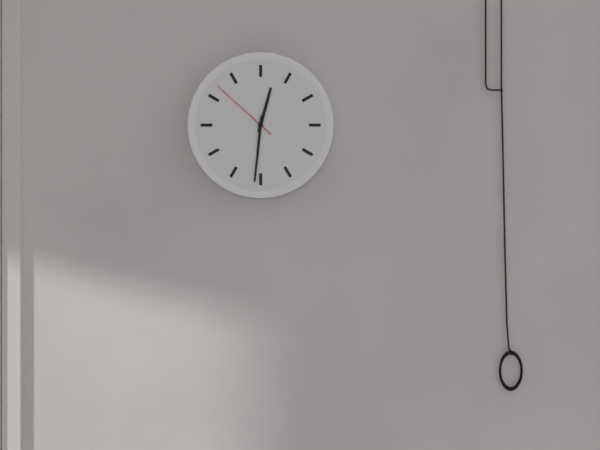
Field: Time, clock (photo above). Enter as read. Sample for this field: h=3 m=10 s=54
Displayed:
h=12 m=31 s=52
